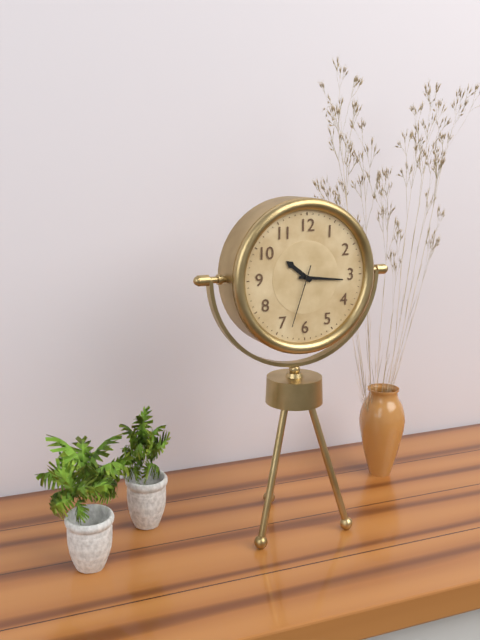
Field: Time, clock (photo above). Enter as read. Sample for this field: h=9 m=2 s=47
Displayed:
h=10 m=16 s=33
